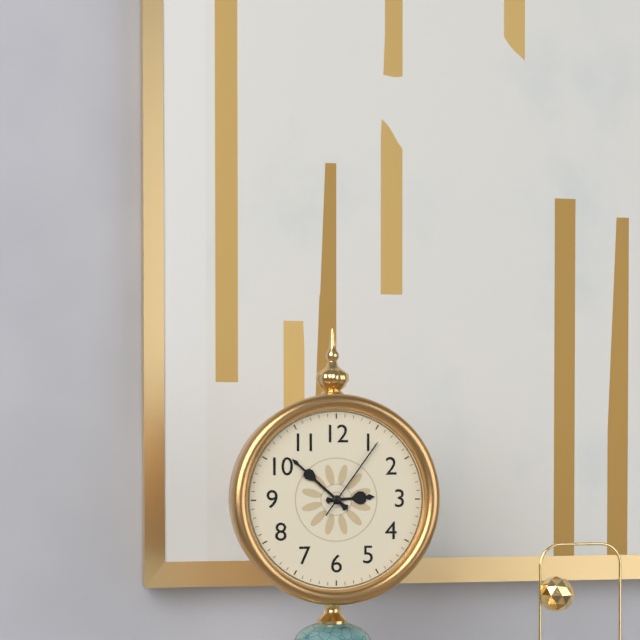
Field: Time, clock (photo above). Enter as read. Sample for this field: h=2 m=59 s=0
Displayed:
h=2 m=52 s=6
